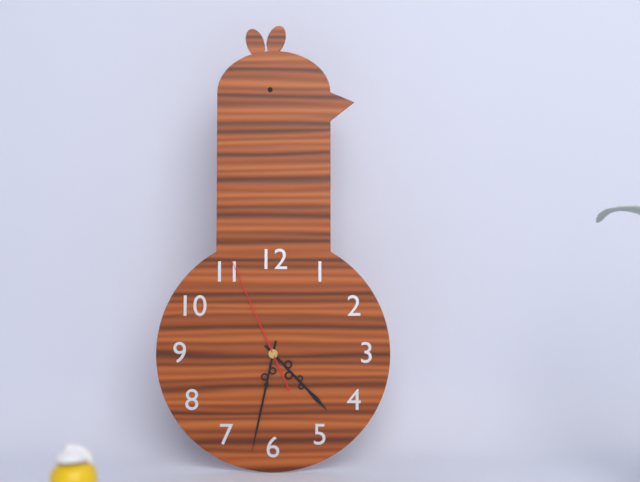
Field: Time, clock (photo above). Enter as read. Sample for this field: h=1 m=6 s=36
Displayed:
h=4 m=32 s=56
